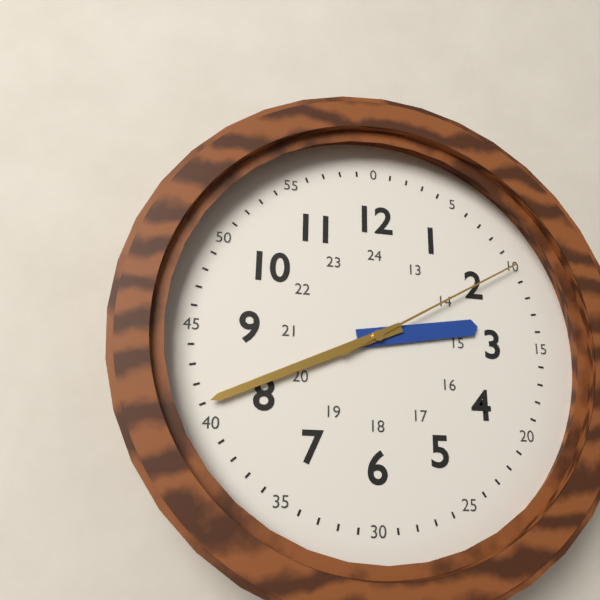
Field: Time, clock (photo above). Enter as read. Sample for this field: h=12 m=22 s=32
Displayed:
h=2 m=41 s=10
